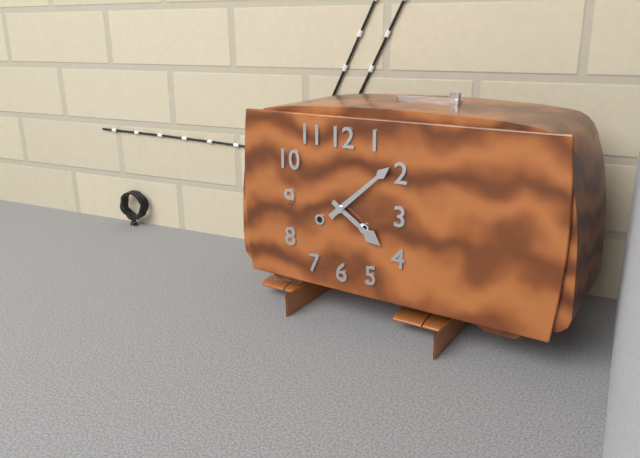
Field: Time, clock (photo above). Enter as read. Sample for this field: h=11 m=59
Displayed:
h=4 m=8
